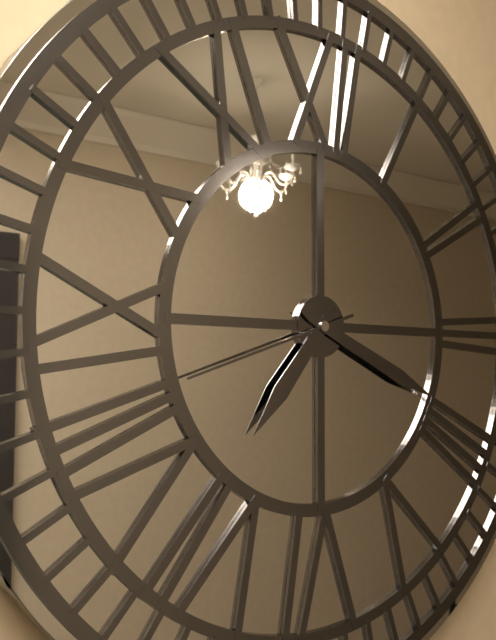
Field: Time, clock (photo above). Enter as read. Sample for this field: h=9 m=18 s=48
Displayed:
h=7 m=19 s=42
